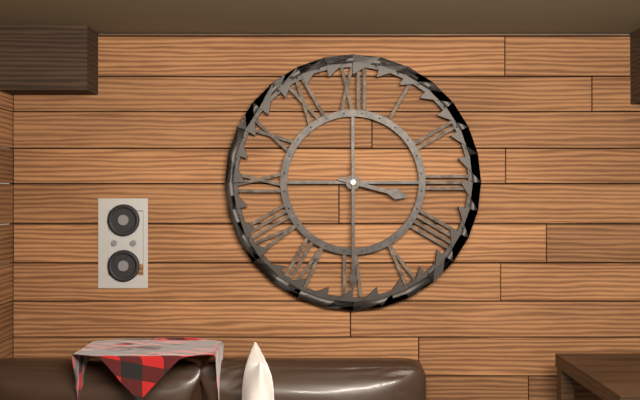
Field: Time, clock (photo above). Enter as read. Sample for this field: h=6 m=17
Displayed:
h=3 m=30
